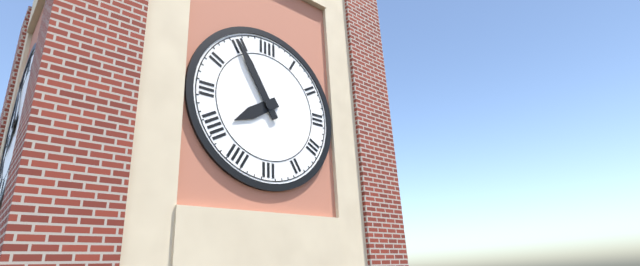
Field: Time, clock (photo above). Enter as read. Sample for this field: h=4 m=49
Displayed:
h=7 m=55
